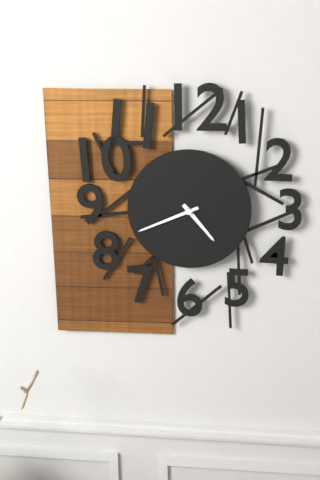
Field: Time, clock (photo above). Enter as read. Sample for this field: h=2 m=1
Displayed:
h=4 m=41
